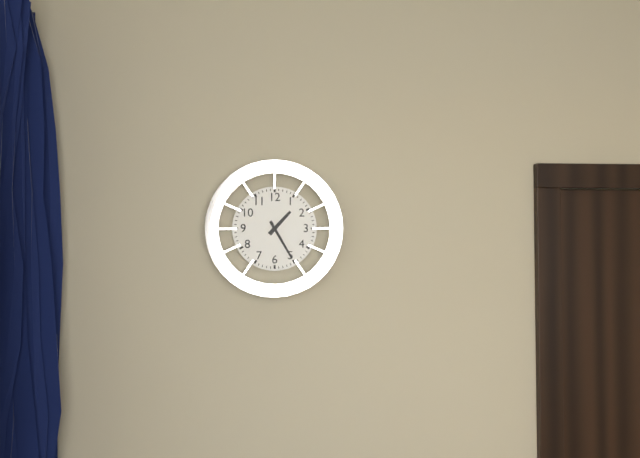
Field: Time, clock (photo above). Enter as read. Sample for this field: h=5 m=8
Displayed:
h=1 m=25
